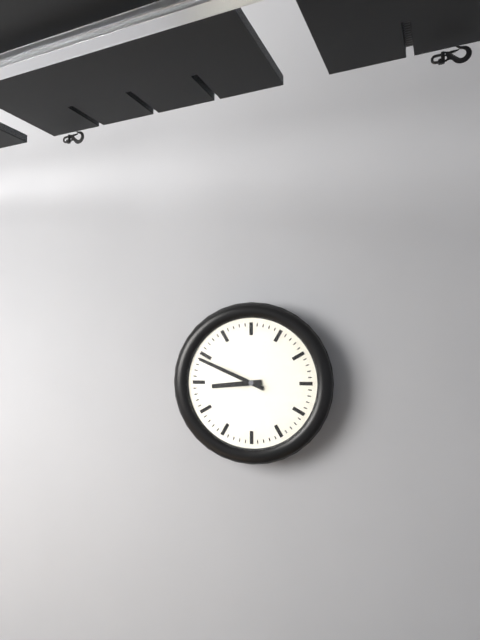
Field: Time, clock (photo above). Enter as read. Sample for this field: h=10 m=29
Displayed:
h=8 m=49
